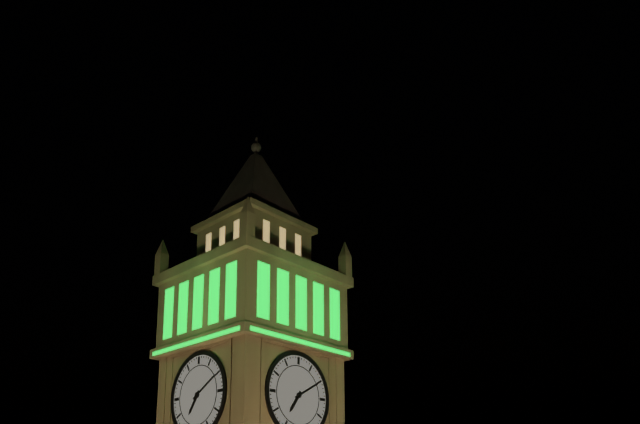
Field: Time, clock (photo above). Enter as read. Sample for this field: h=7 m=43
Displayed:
h=7 m=10
